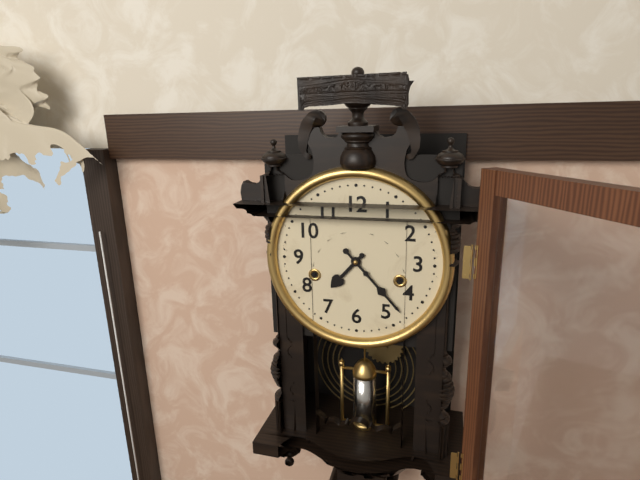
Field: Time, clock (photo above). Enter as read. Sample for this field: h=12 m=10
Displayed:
h=7 m=23
